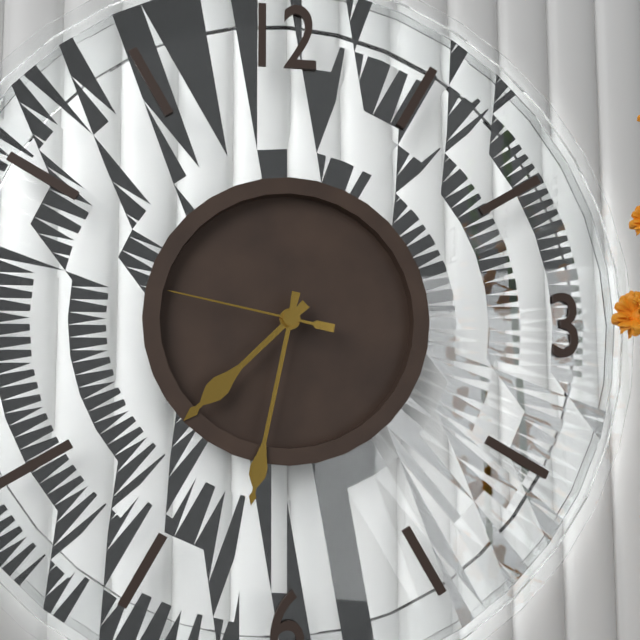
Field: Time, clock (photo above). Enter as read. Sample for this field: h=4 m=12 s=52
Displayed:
h=7 m=32 s=47
